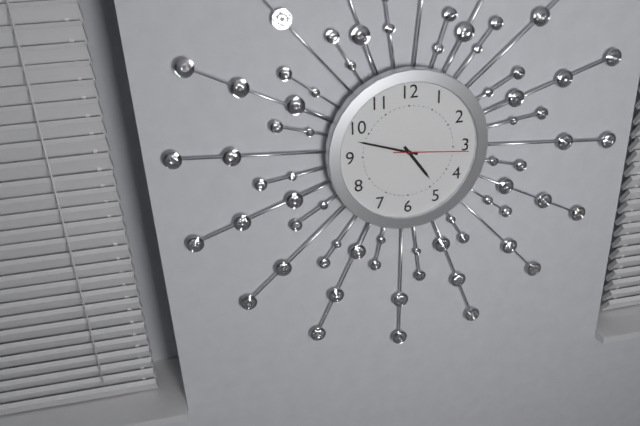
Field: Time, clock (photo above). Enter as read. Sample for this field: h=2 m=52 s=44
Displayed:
h=4 m=48 s=16
